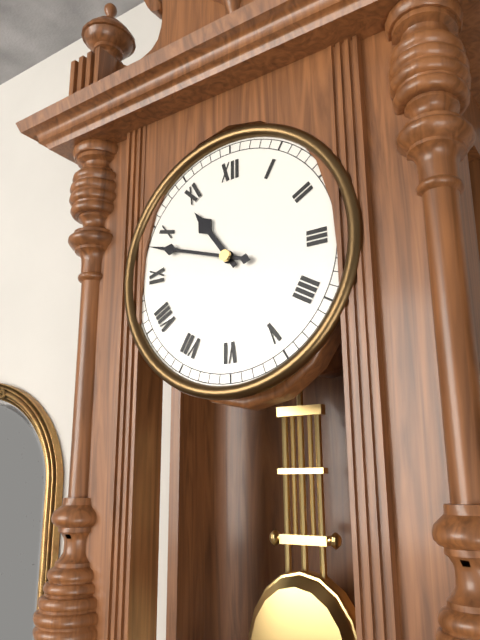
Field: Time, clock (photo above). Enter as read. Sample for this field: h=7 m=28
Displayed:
h=10 m=48
